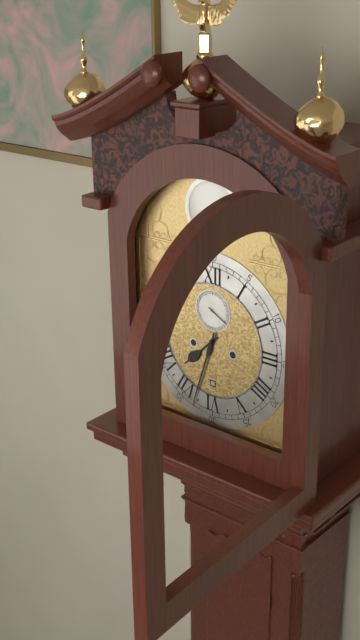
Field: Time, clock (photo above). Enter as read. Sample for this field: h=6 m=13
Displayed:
h=7 m=33
